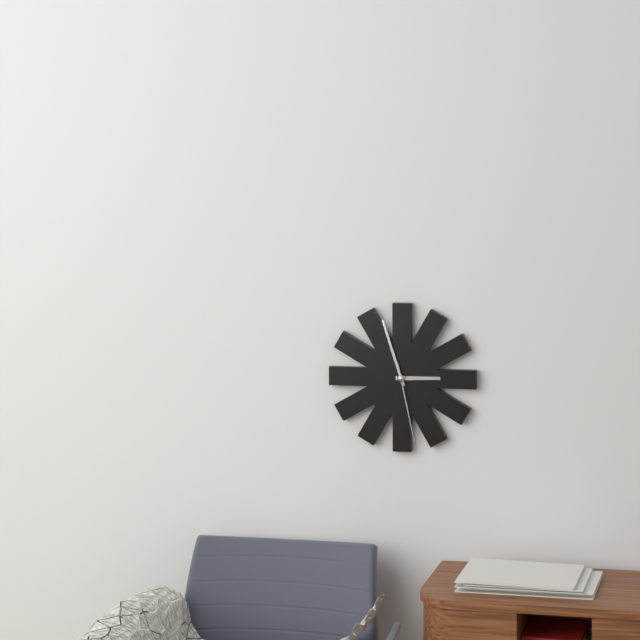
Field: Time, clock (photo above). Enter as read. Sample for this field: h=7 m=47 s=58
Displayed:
h=2 m=57 s=28
